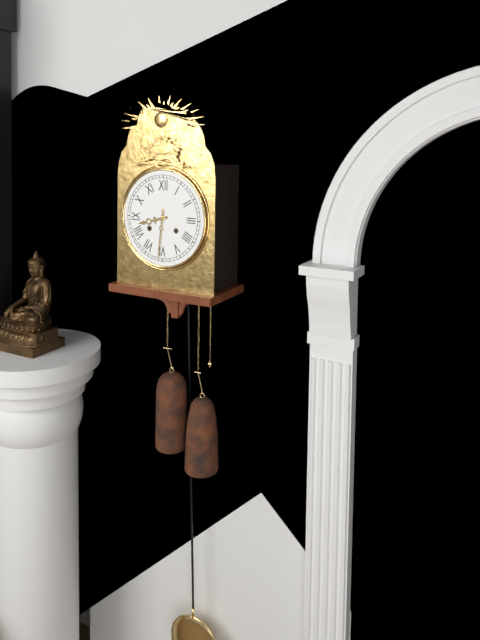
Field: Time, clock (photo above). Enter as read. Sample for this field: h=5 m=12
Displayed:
h=8 m=31
